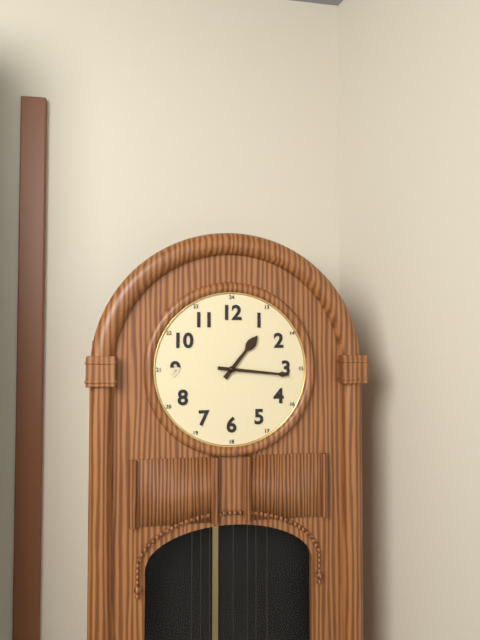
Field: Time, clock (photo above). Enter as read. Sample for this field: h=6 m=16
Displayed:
h=1 m=16
